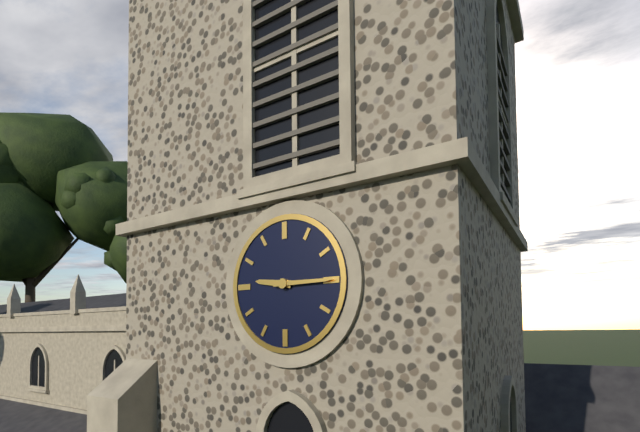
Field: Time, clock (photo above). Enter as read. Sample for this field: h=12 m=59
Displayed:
h=9 m=15
